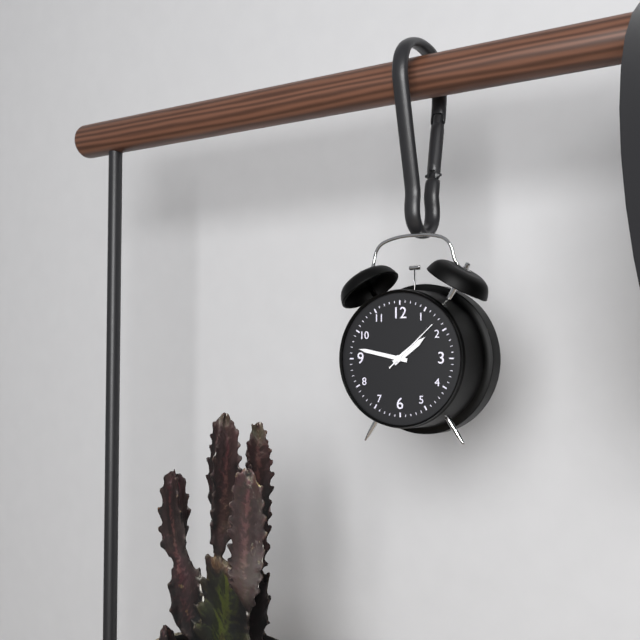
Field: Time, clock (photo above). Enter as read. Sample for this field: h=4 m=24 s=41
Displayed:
h=1 m=47 s=8
